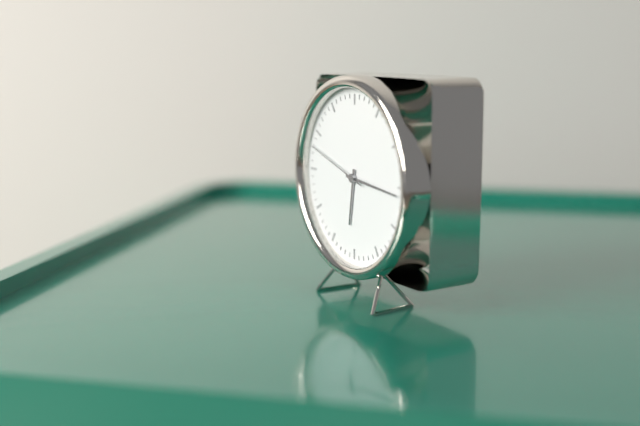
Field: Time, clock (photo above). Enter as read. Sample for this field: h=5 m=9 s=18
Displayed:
h=6 m=16 s=48
